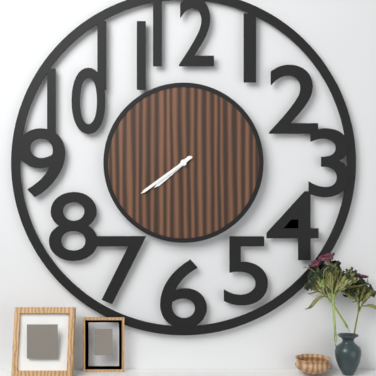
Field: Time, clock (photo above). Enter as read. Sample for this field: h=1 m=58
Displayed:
h=7 m=39
